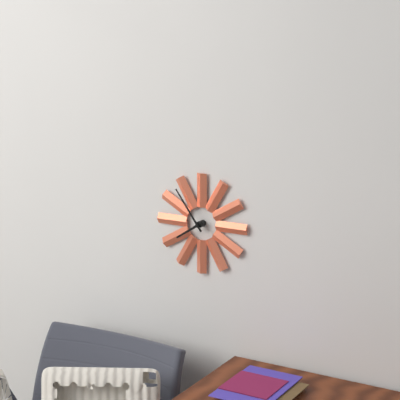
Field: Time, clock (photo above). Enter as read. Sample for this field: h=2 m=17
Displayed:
h=7 m=54
